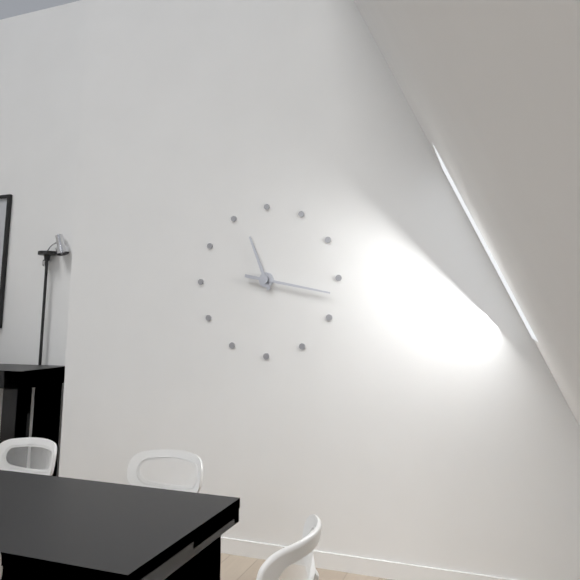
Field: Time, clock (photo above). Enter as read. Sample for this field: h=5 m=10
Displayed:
h=11 m=17
